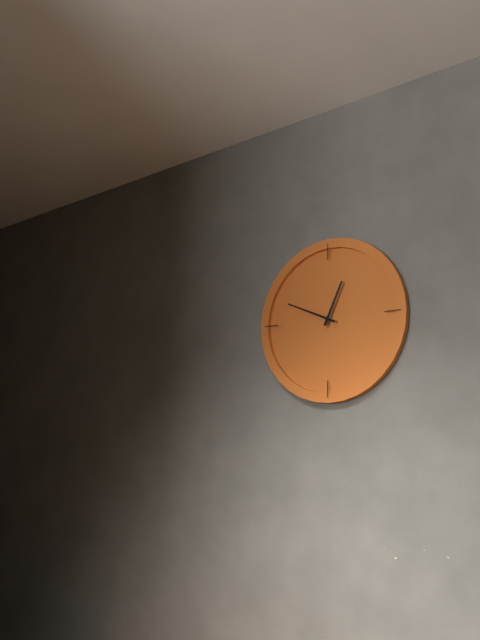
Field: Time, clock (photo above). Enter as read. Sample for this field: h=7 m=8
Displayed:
h=12 m=49
